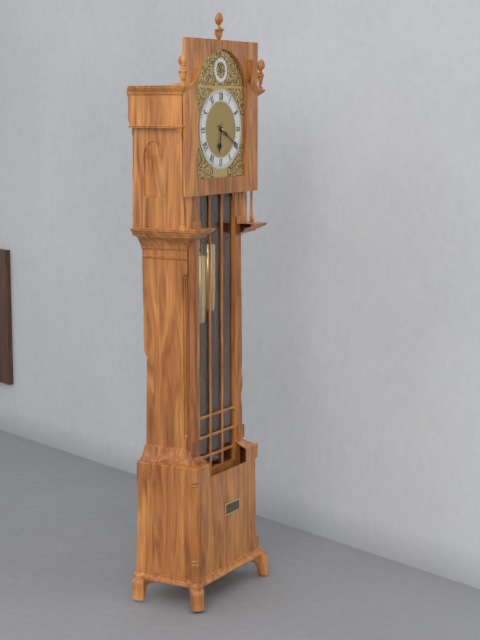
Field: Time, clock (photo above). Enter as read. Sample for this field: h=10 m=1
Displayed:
h=6 m=20
